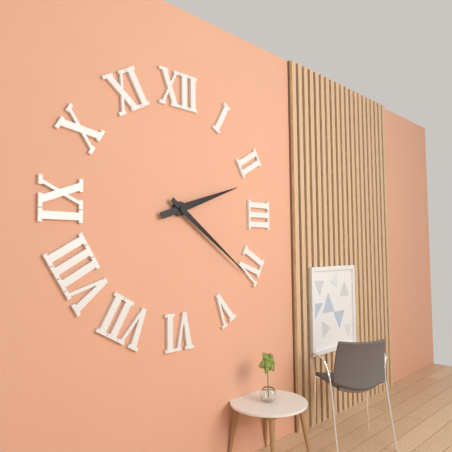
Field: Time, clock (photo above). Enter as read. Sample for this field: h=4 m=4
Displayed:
h=2 m=21
